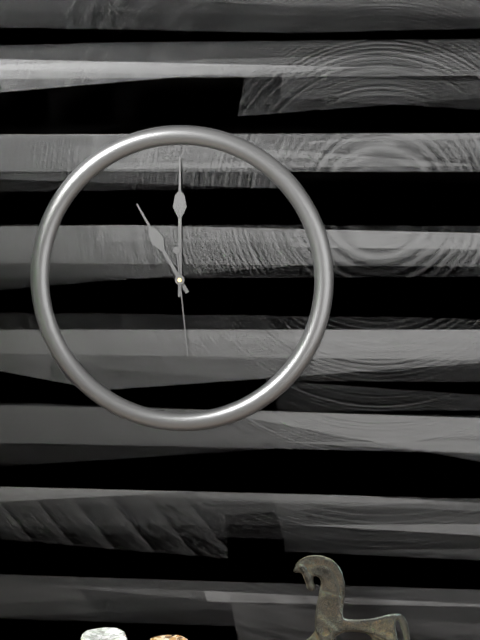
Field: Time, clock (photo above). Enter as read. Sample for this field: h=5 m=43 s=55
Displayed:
h=11 m=0 s=29
